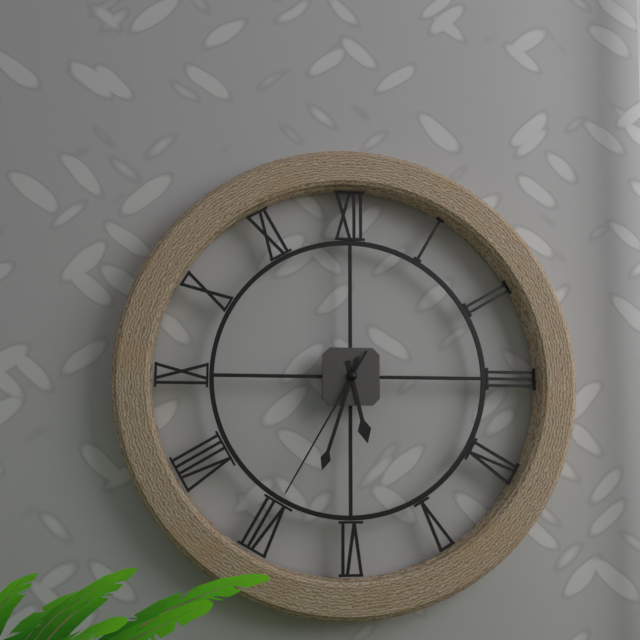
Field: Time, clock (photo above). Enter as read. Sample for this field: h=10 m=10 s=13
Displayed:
h=5 m=33 s=35
